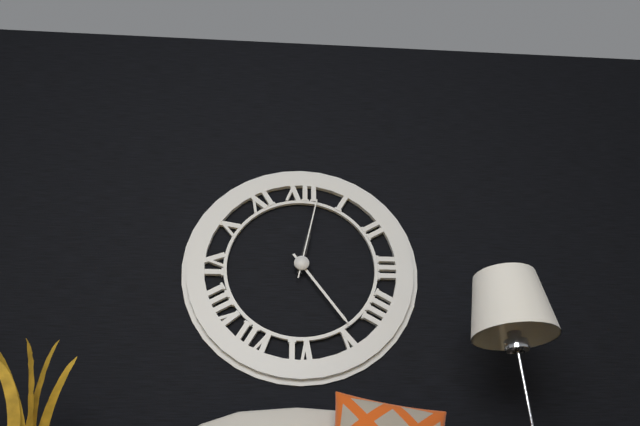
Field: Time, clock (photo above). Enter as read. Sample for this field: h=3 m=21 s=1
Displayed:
h=12 m=24 s=2
